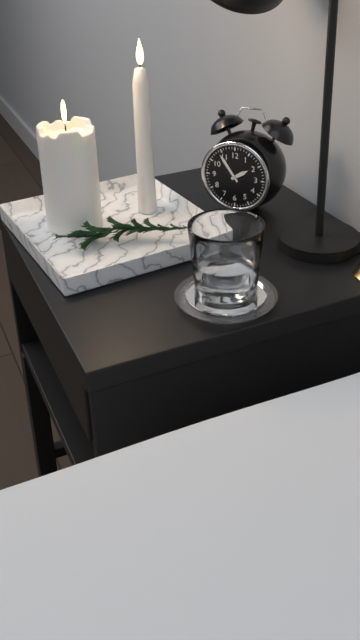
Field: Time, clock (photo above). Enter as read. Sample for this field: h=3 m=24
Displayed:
h=1 m=54
